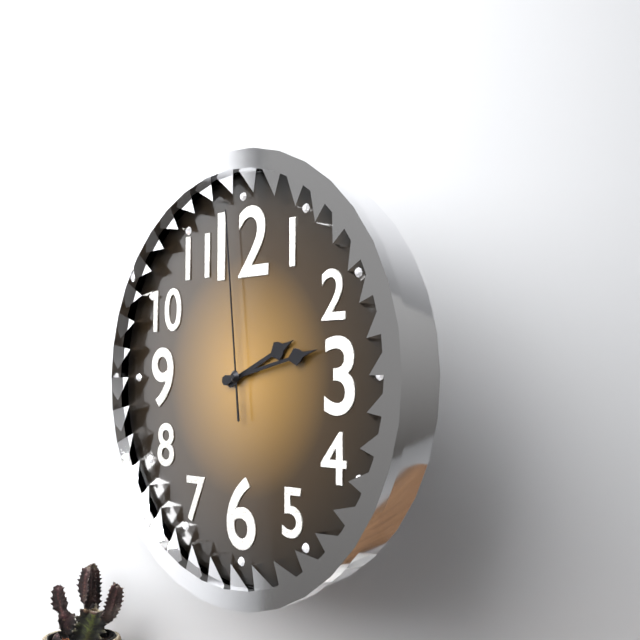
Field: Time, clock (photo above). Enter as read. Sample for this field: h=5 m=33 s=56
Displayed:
h=2 m=13 s=59
